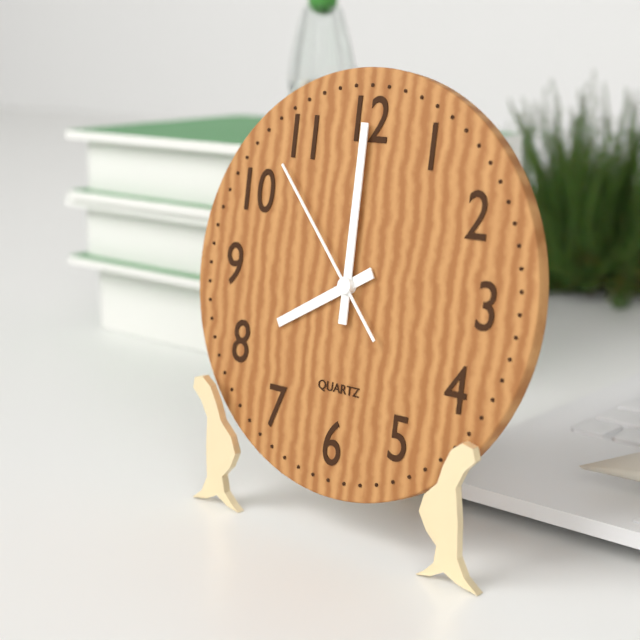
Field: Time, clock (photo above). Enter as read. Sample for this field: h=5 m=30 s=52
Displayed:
h=8 m=0 s=53
